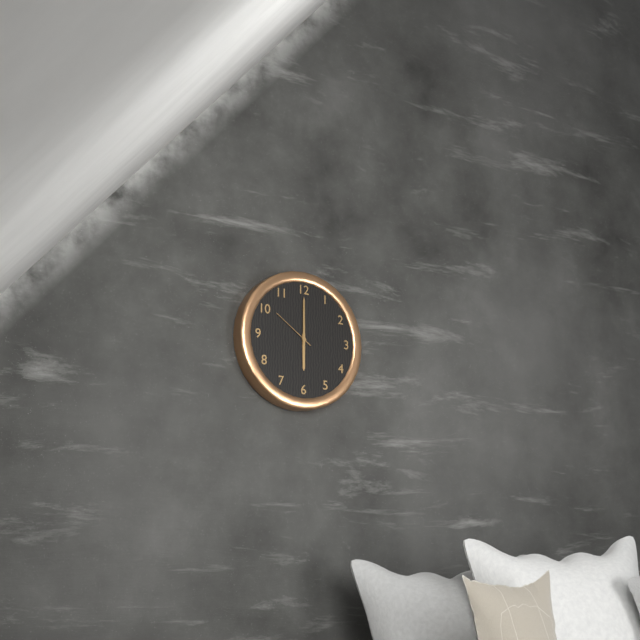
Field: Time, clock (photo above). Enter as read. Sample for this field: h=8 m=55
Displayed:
h=6 m=0
